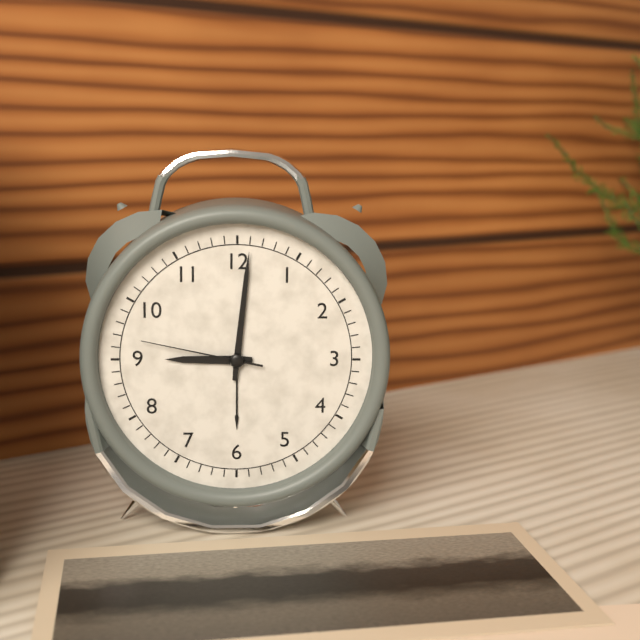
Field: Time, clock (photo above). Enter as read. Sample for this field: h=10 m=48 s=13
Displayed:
h=9 m=1 s=47
